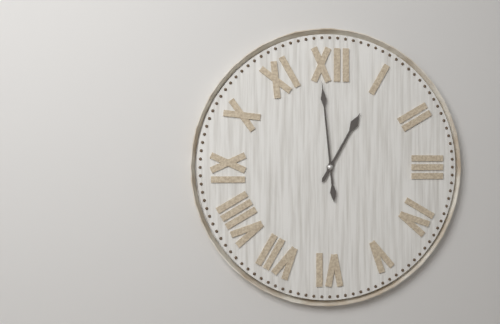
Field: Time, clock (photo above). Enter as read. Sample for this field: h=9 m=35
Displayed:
h=12 m=59
